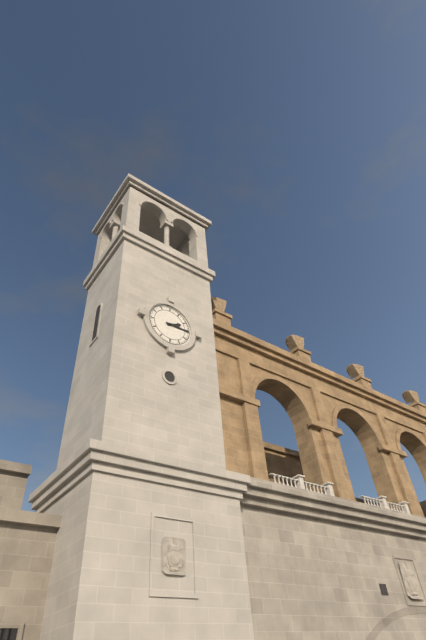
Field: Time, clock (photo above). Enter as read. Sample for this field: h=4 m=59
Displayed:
h=2 m=15
